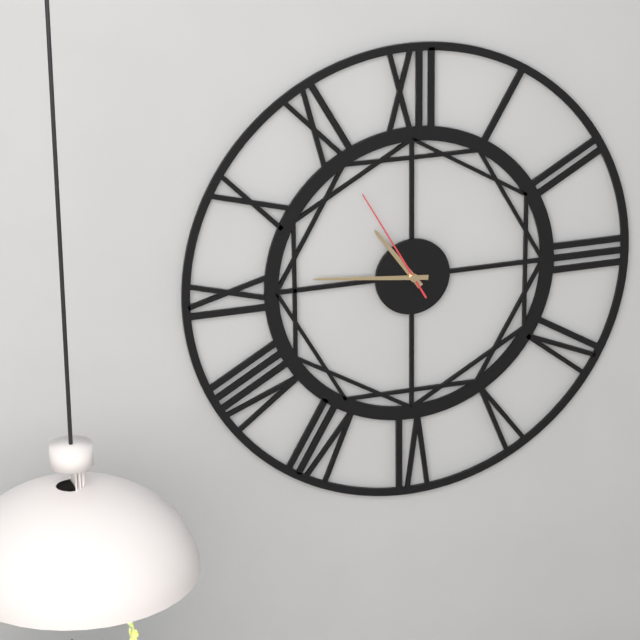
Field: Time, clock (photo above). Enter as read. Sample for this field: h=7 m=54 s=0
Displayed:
h=10 m=46 s=55
